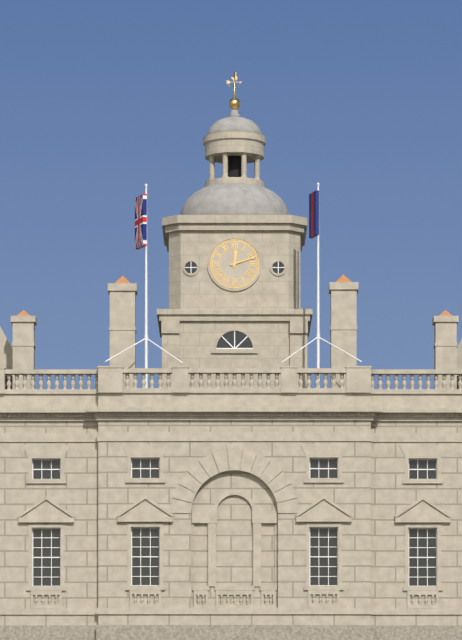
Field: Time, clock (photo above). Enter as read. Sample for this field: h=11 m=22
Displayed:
h=12 m=12
